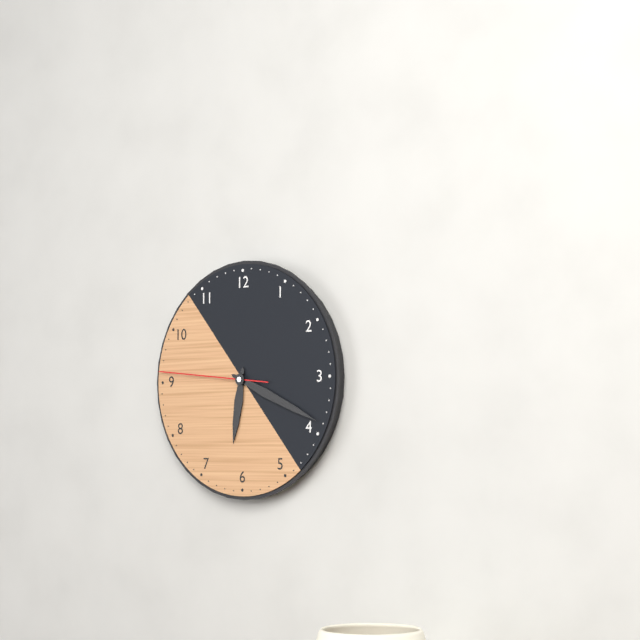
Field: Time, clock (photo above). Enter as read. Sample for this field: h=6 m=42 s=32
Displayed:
h=6 m=19 s=46
